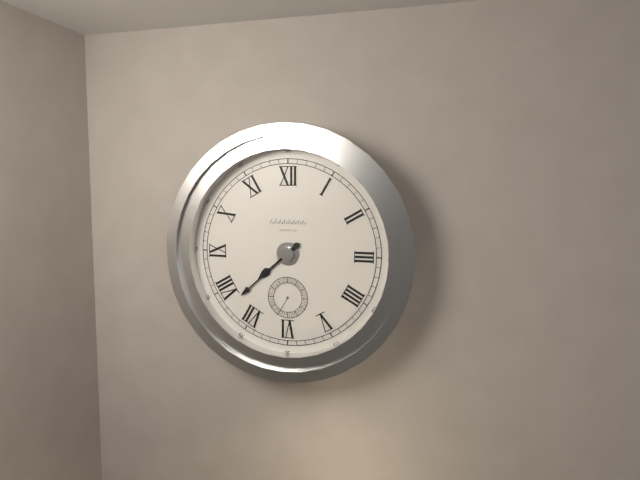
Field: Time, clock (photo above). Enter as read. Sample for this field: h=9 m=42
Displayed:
h=7 m=38
